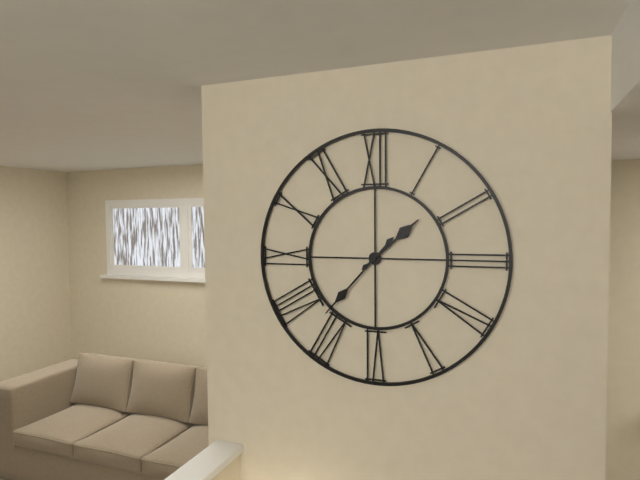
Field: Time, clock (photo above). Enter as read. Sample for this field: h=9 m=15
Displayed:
h=1 m=37
